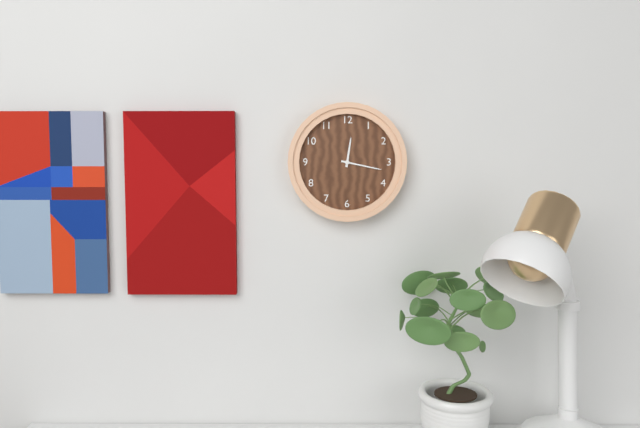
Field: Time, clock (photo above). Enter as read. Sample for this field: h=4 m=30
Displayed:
h=12 m=17
